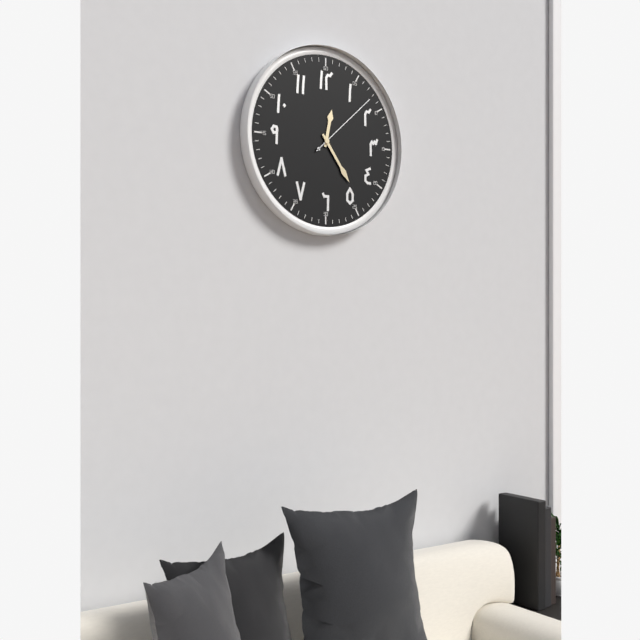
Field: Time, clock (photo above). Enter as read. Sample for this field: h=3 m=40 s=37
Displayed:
h=12 m=24 s=8
